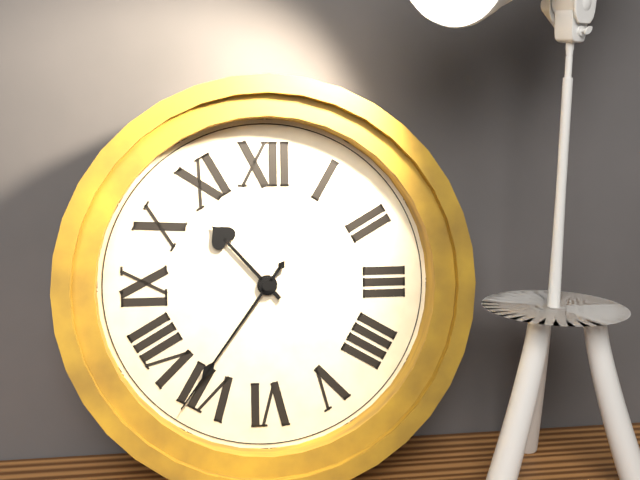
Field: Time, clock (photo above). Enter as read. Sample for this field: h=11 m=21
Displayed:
h=10 m=36
